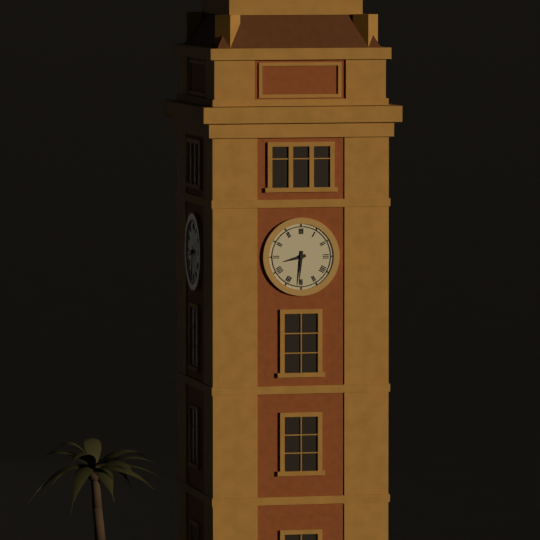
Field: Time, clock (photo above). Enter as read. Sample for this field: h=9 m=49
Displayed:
h=8 m=31
